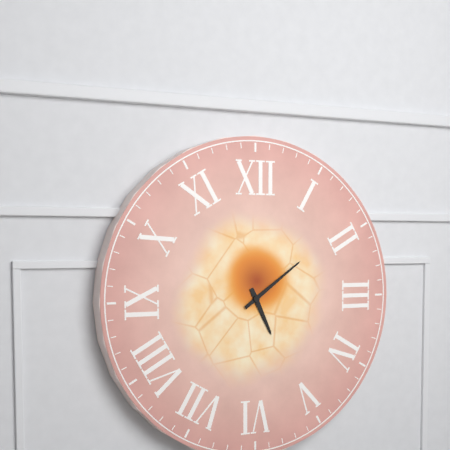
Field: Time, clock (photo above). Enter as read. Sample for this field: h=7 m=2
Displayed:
h=5 m=9
